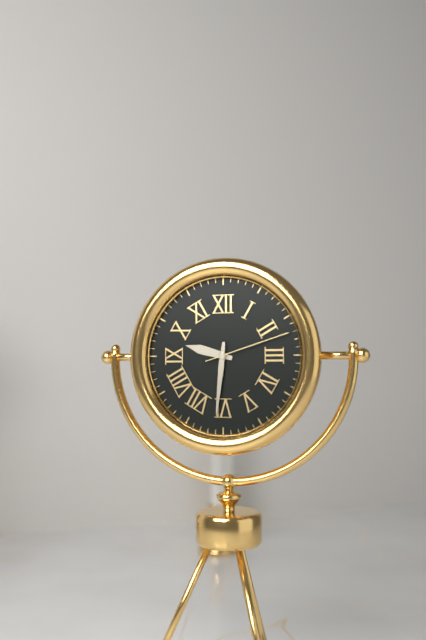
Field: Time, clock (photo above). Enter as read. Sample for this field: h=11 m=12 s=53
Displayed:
h=9 m=31 s=12
